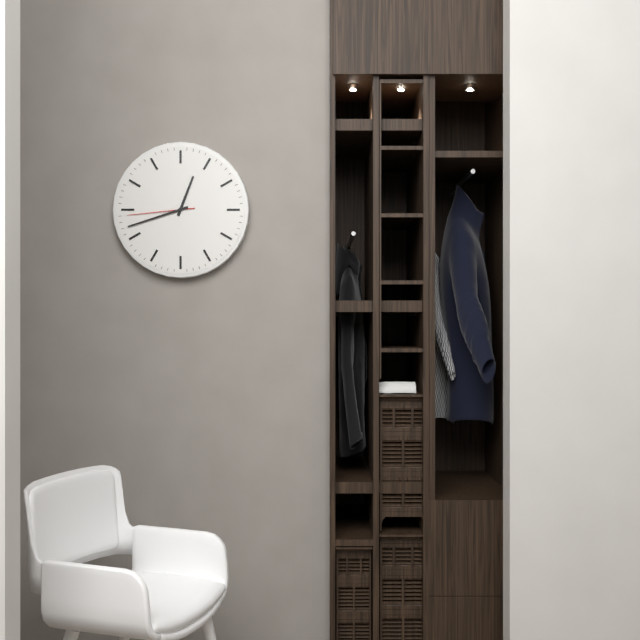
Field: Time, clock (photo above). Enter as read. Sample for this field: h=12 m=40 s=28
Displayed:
h=12 m=42 s=44
